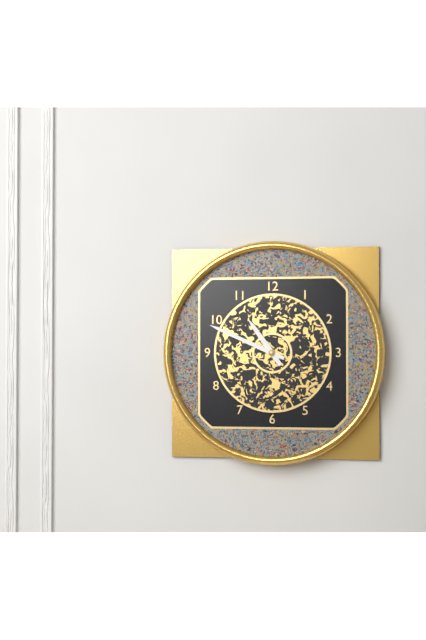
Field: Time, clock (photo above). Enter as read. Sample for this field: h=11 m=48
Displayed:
h=10 m=49
